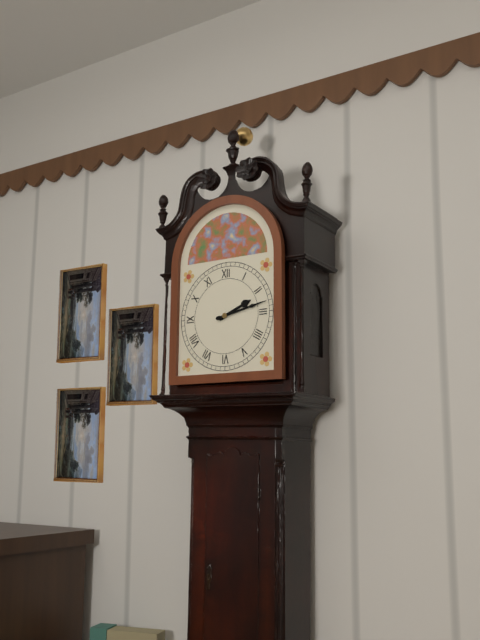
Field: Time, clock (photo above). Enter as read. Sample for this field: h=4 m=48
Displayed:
h=2 m=13
